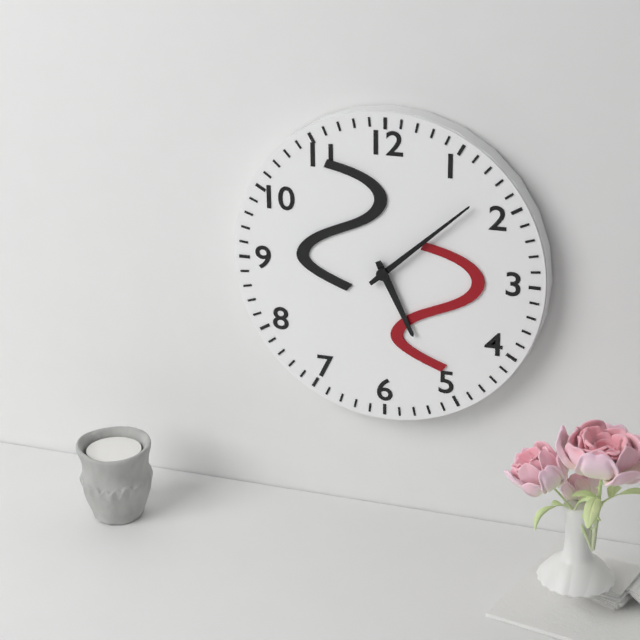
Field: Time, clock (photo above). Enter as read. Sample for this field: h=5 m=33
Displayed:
h=5 m=8
